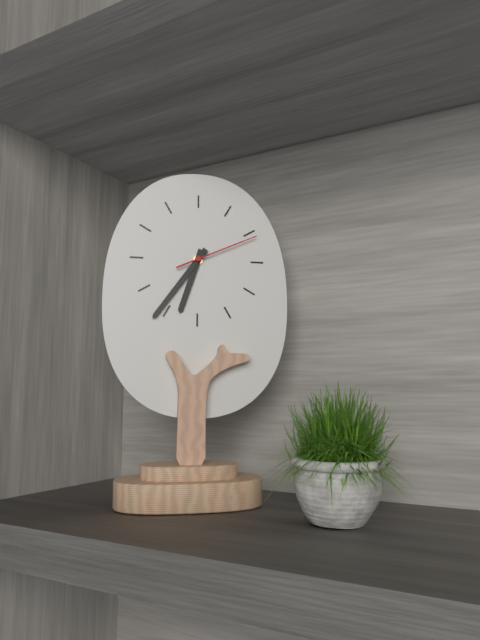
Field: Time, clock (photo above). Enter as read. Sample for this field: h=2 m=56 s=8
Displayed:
h=6 m=36 s=11
